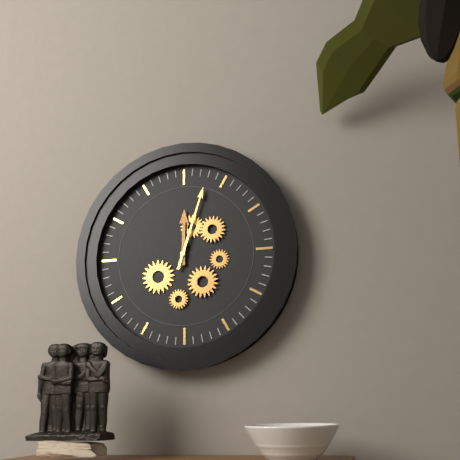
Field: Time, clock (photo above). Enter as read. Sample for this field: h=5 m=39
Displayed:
h=12 m=3
